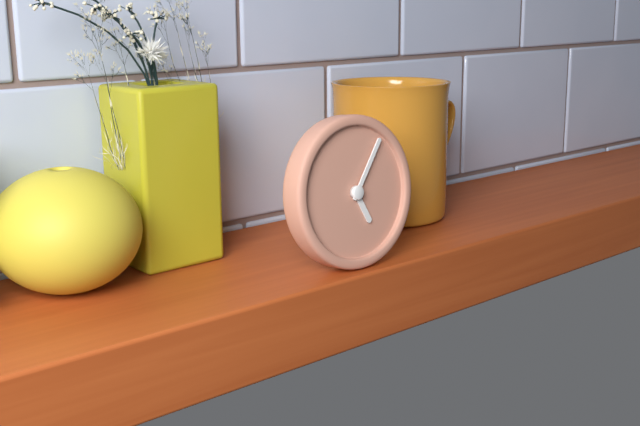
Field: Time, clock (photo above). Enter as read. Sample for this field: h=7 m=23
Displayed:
h=5 m=6
